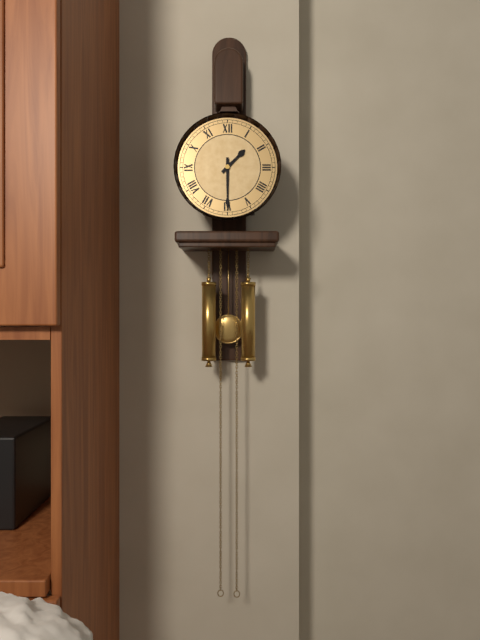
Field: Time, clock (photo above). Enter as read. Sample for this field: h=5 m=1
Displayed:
h=1 m=30
